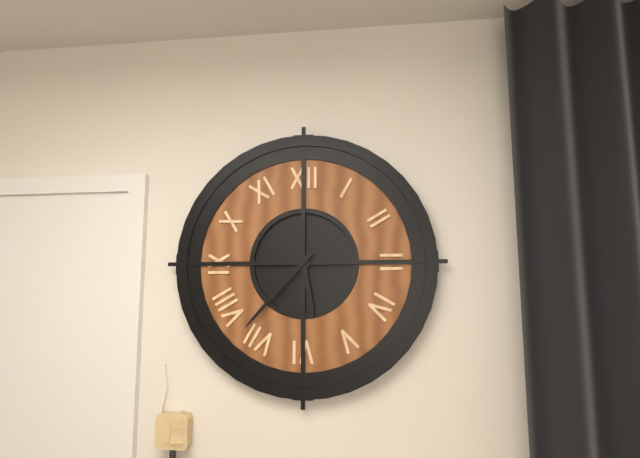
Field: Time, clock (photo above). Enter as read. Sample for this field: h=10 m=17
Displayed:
h=5 m=37
